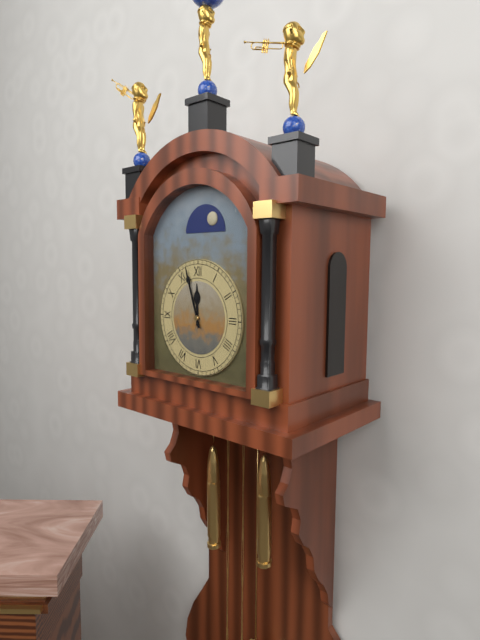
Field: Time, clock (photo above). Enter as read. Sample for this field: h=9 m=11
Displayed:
h=11 m=57
